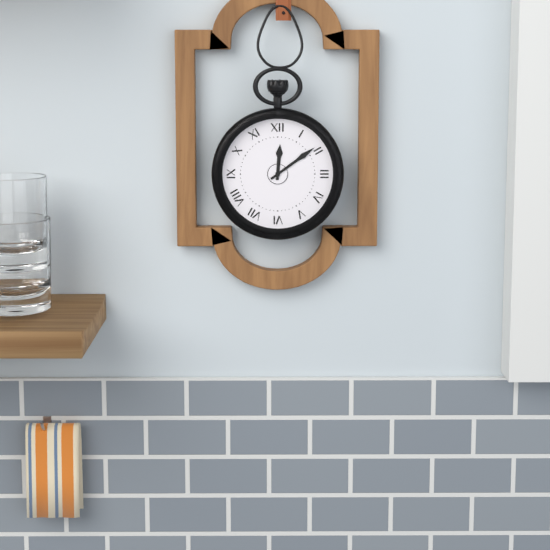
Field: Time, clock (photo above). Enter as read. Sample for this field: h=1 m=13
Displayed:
h=12 m=9
